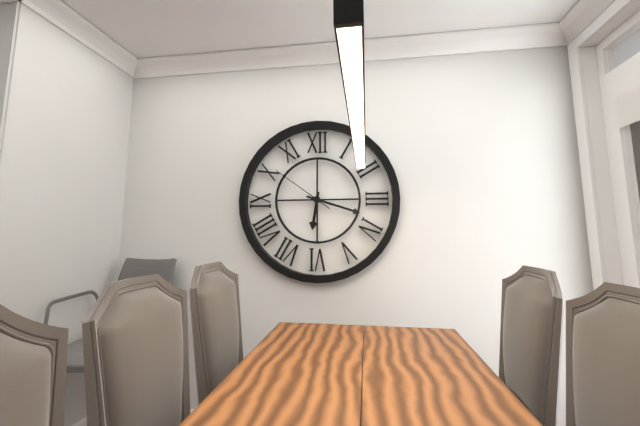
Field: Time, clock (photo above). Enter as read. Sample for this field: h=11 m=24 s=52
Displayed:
h=6 m=18 s=51
